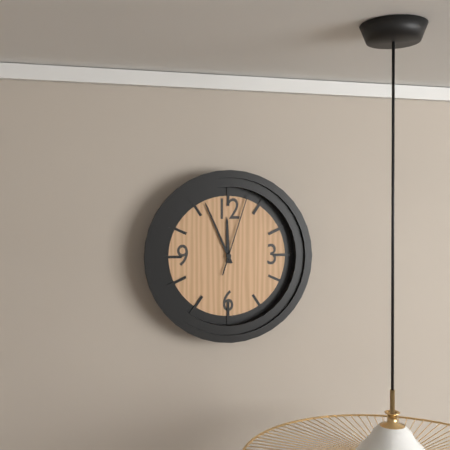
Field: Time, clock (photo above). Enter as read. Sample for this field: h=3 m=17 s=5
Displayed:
h=11 m=56 s=3
